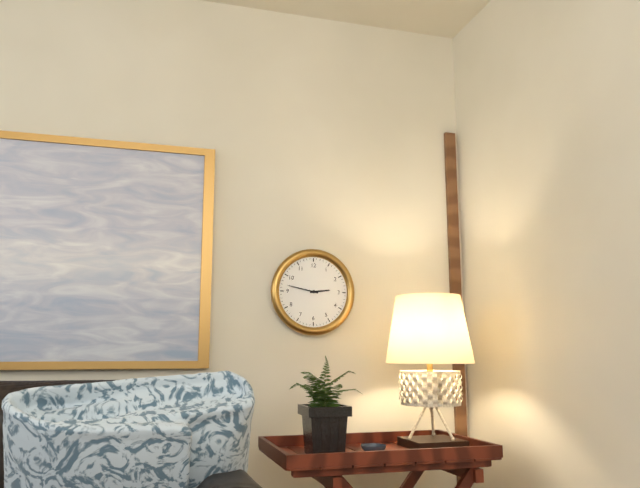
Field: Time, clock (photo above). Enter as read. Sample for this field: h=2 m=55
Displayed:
h=2 m=47
